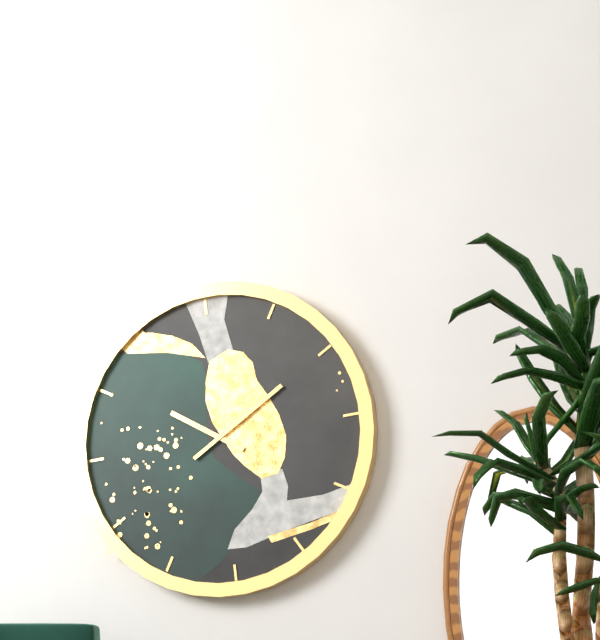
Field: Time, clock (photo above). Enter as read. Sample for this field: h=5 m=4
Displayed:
h=10 m=10
